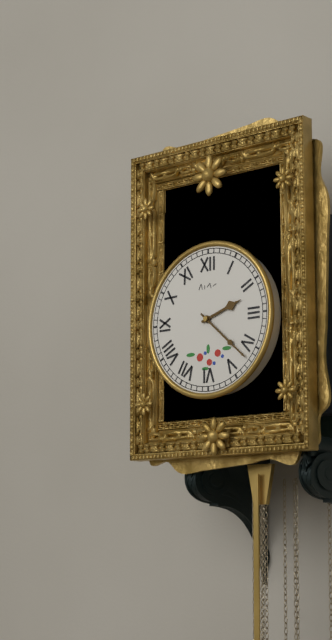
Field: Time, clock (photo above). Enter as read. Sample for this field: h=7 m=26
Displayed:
h=2 m=22
